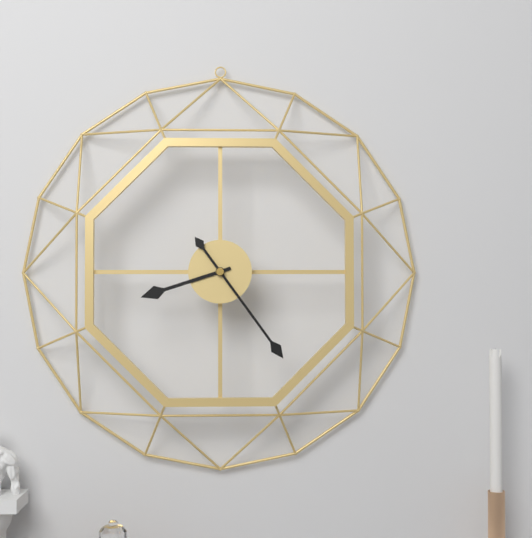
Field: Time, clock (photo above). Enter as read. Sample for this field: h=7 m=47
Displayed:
h=8 m=24
